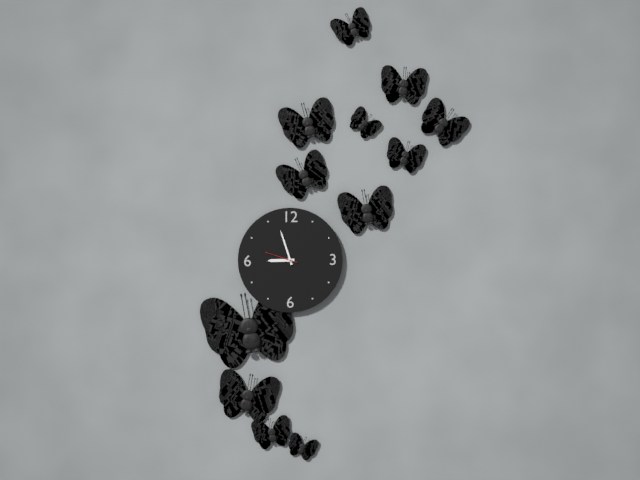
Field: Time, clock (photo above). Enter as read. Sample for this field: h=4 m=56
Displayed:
h=8 m=57
